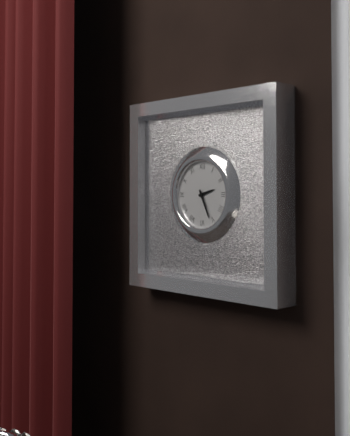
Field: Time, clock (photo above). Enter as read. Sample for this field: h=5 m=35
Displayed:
h=2 m=26
